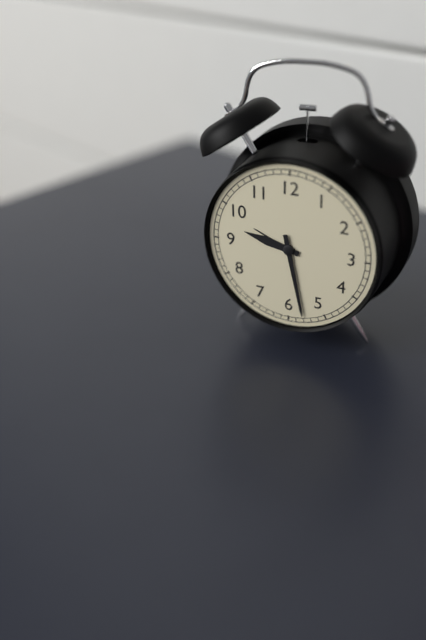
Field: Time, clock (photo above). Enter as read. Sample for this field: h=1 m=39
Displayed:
h=9 m=28
